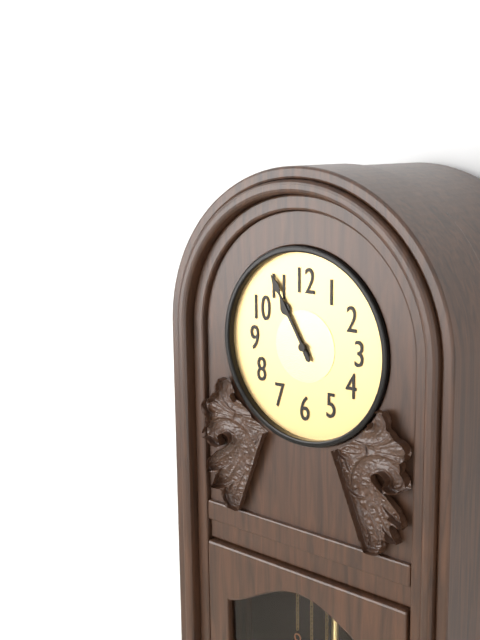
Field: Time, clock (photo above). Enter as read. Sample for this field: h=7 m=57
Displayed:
h=10 m=55
